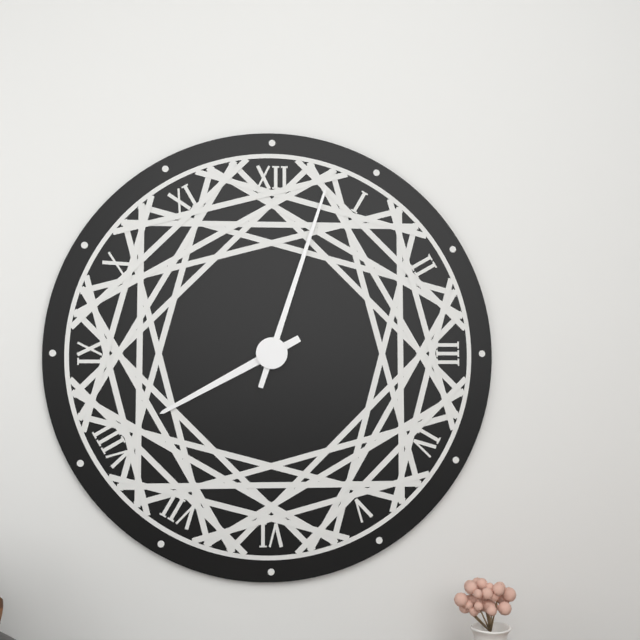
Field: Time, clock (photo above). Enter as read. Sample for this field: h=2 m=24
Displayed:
h=8 m=3
